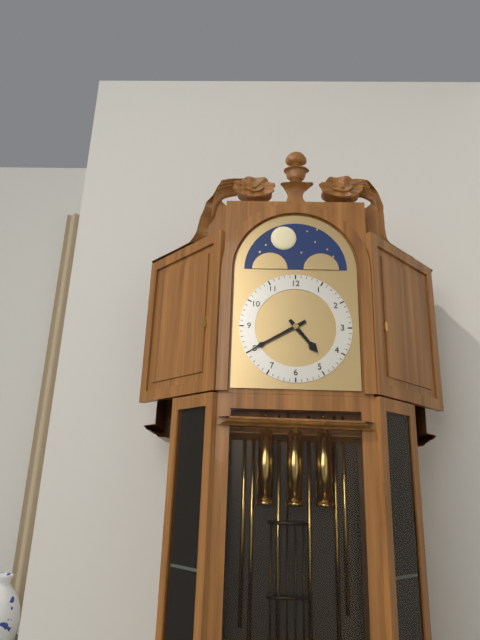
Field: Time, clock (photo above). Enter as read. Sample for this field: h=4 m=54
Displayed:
h=4 m=40
